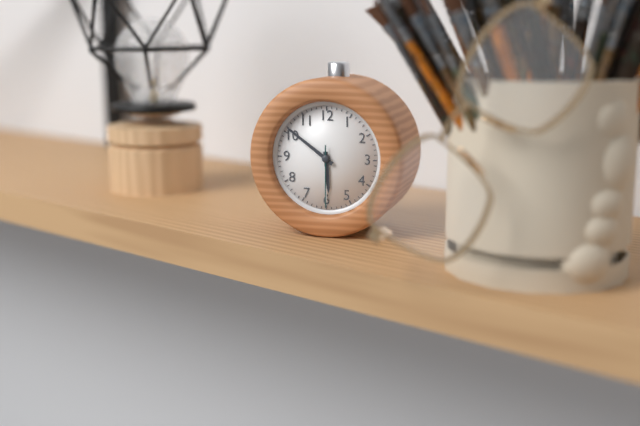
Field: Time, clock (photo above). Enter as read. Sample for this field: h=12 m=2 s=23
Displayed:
h=5 m=51 s=30
